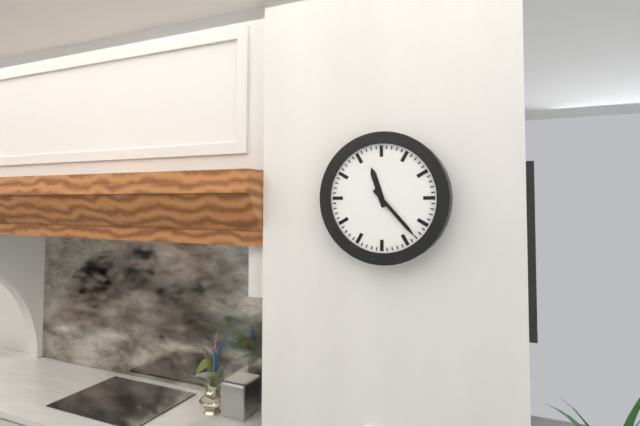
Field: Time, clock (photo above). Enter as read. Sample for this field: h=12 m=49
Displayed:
h=11 m=23
